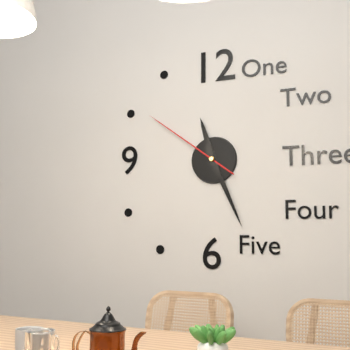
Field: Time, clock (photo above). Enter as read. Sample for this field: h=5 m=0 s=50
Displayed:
h=11 m=26 s=51
